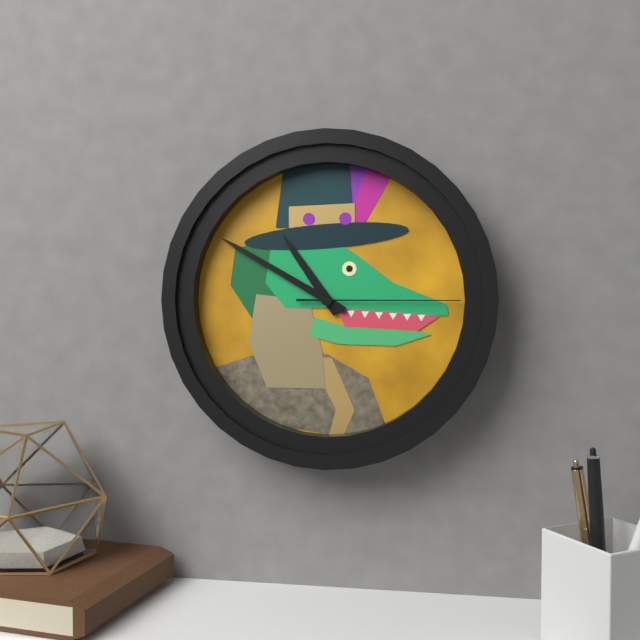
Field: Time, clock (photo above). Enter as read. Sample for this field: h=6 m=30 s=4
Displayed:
h=10 m=50 s=15
